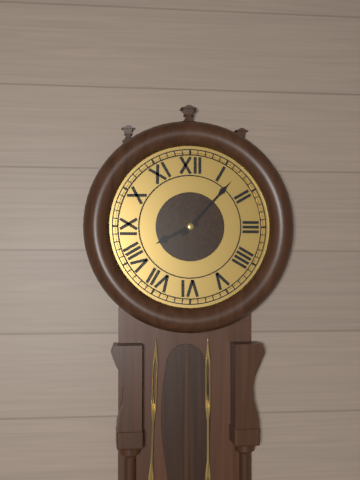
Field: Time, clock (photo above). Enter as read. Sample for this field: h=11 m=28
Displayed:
h=8 m=7
